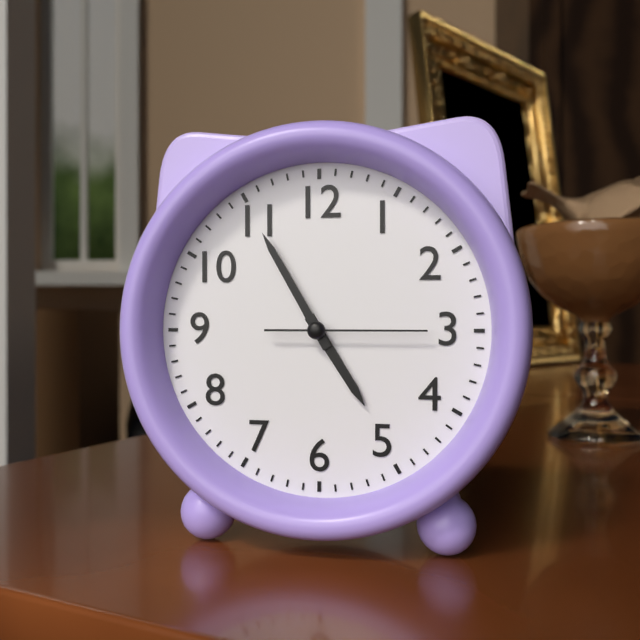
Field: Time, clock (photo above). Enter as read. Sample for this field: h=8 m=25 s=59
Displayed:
h=4 m=55 s=15
